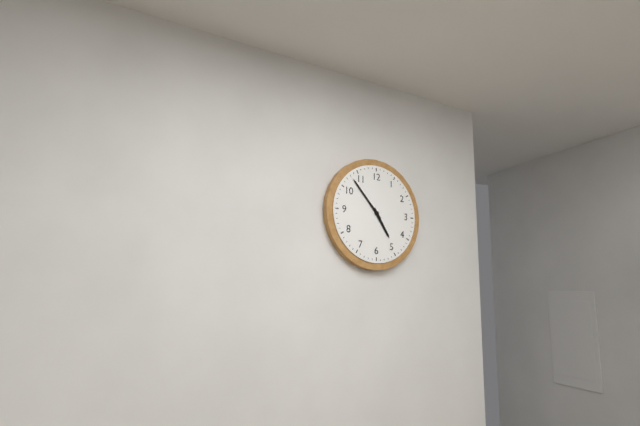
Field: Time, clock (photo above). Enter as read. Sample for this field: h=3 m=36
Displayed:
h=4 m=53
